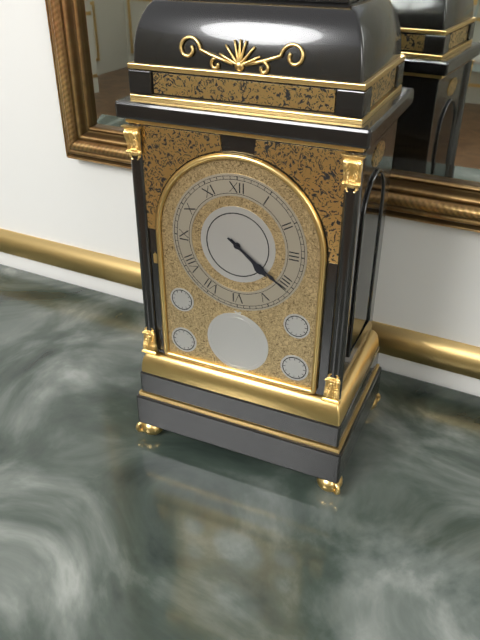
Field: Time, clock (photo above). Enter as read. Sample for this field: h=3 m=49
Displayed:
h=4 m=21
